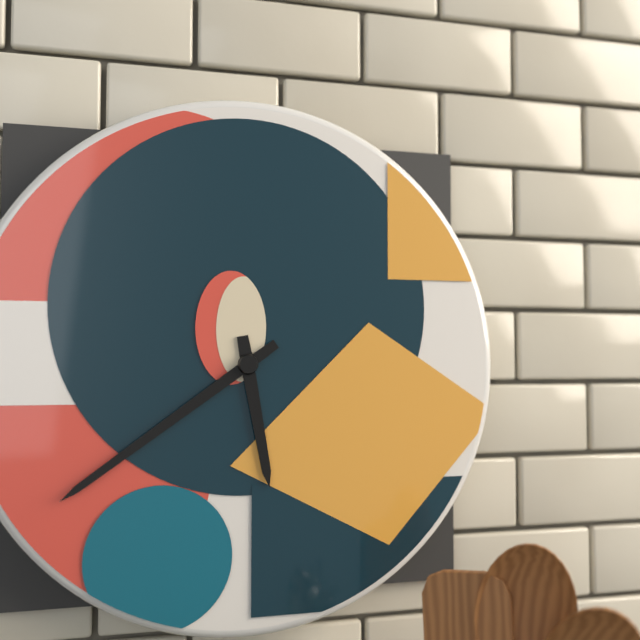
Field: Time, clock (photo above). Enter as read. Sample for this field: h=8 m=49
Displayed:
h=5 m=39
